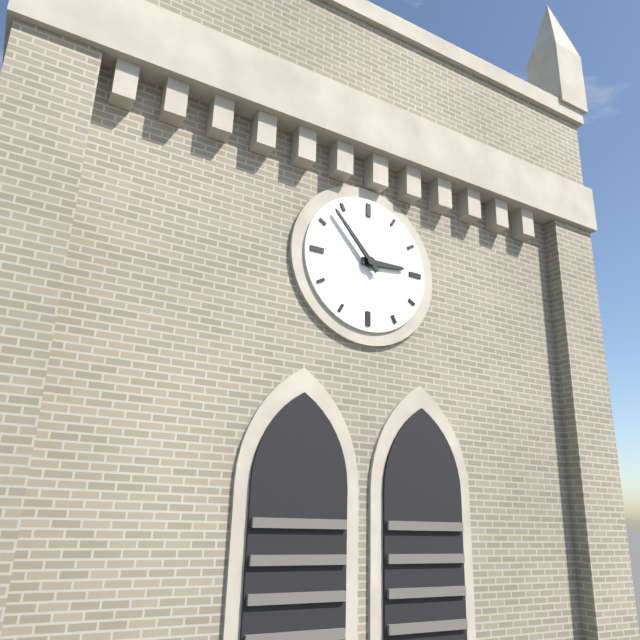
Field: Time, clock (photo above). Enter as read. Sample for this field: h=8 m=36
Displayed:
h=2 m=53
